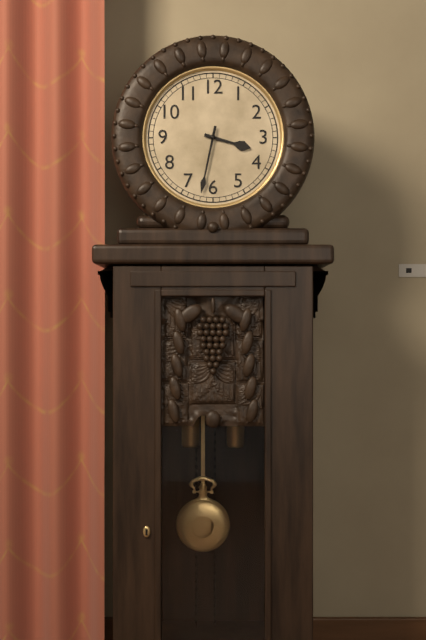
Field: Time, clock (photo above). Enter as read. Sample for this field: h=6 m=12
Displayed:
h=3 m=32
